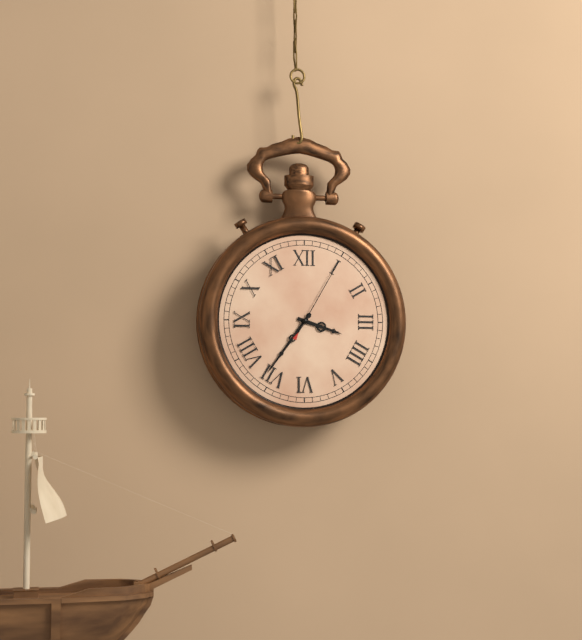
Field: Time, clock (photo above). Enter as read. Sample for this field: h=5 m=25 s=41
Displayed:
h=3 m=36 s=5
